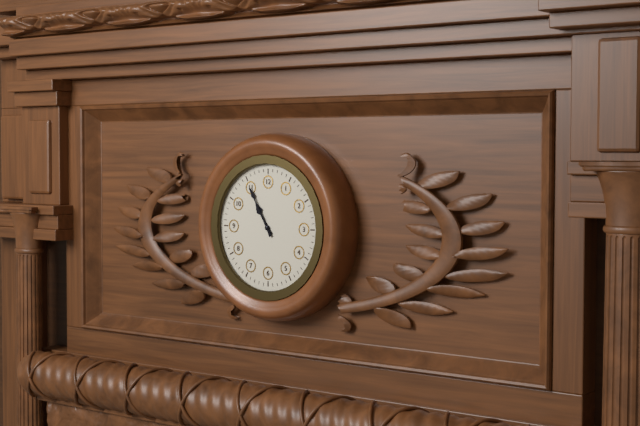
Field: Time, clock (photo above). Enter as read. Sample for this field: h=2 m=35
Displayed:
h=10 m=55
